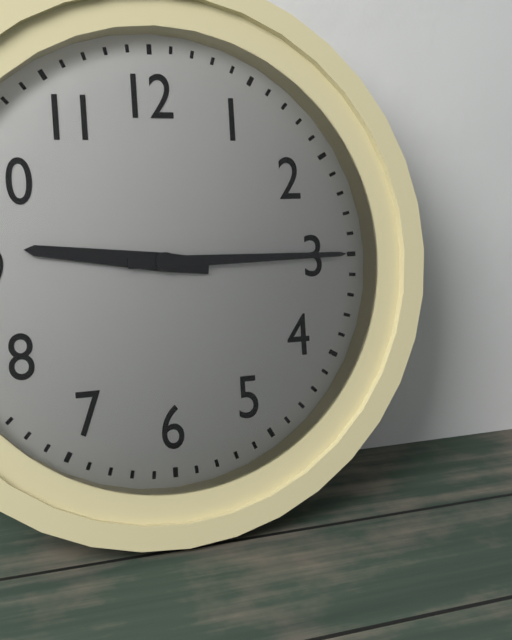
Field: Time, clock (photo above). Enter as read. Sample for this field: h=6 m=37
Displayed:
h=9 m=15
